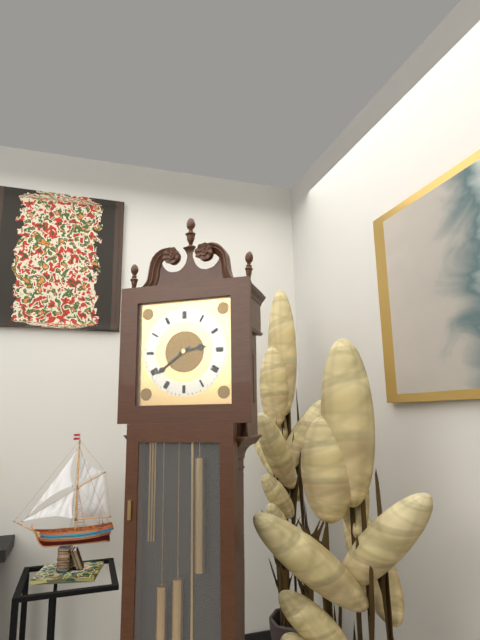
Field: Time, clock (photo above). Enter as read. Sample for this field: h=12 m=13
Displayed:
h=2 m=39
